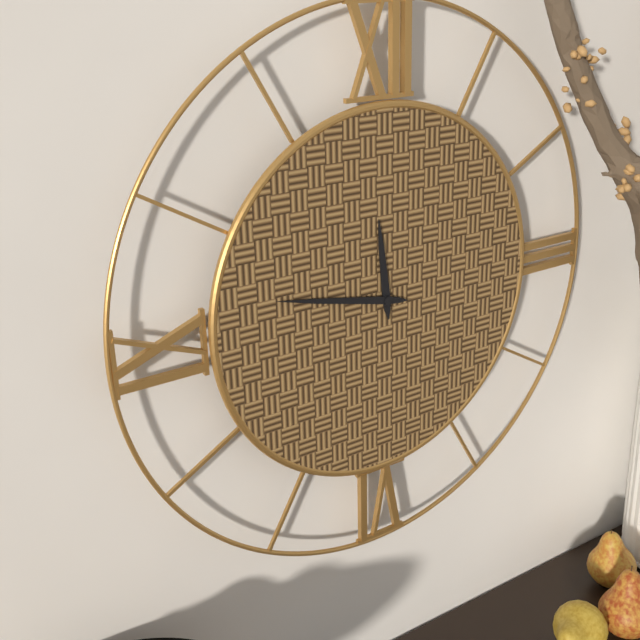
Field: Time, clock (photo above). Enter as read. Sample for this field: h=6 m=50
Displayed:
h=11 m=47
